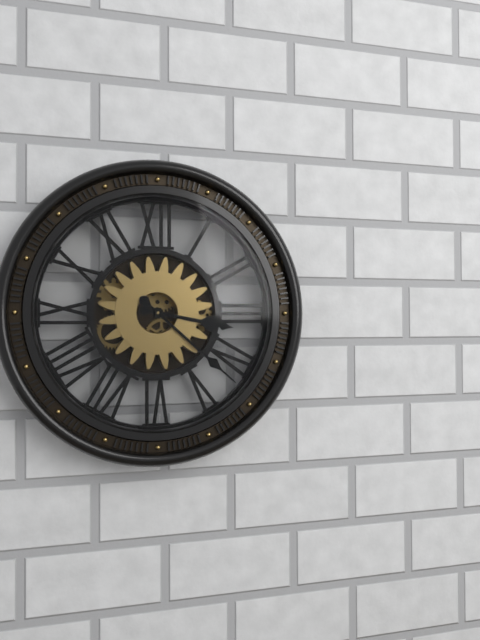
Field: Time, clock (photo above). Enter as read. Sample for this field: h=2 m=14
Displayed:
h=3 m=22
